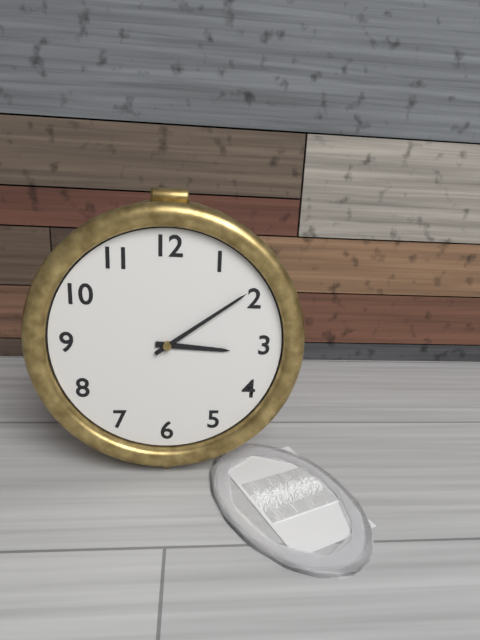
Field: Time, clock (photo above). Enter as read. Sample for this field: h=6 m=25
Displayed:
h=3 m=9
